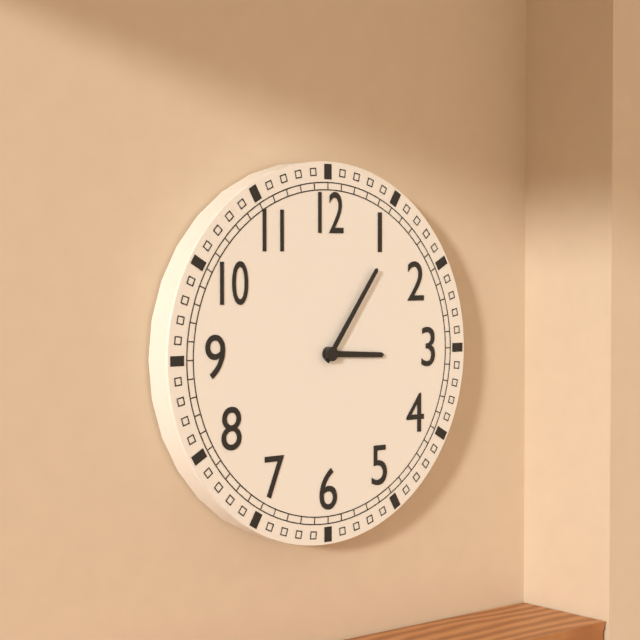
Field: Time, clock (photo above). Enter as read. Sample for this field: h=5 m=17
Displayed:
h=3 m=6
